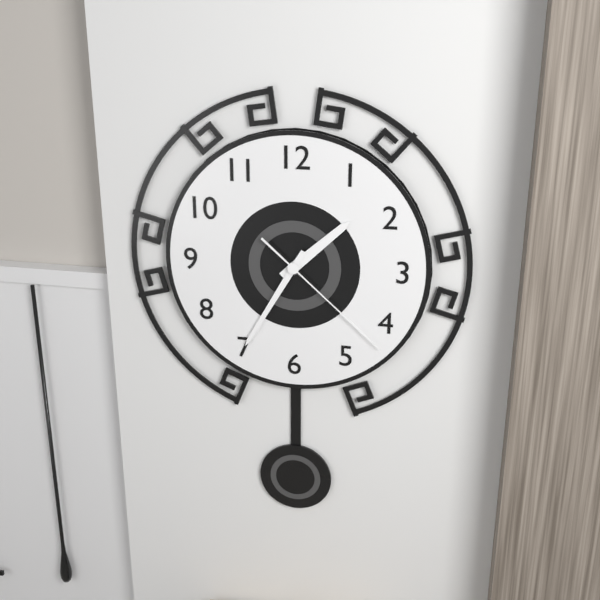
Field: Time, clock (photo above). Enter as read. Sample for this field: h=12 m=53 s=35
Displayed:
h=1 m=35 s=22
